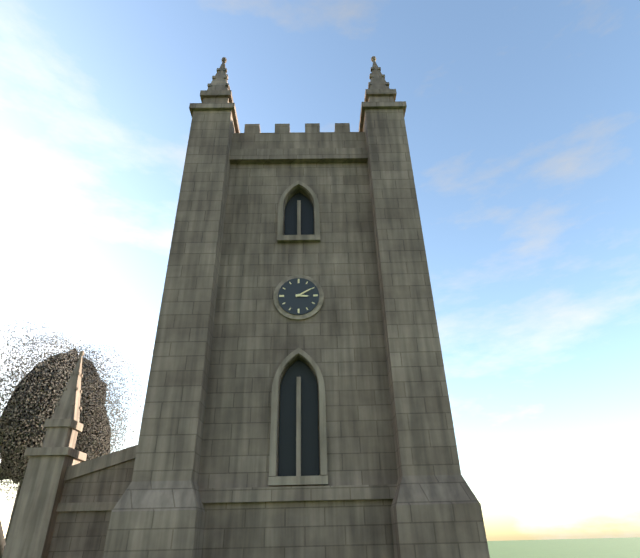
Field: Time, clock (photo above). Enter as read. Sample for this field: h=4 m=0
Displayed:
h=3 m=10
